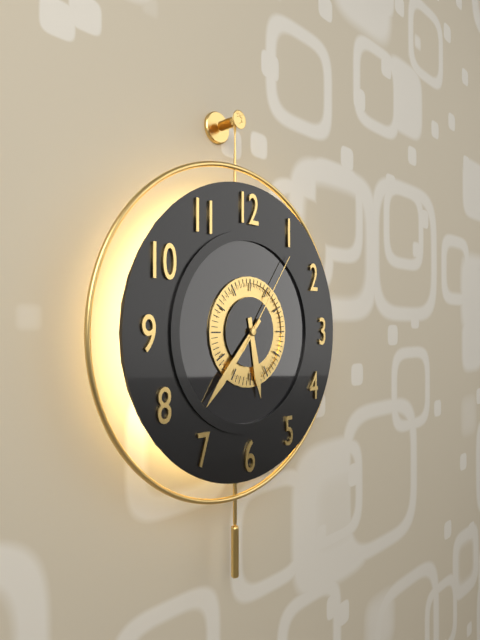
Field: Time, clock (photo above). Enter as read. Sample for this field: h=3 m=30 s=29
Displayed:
h=5 m=37 s=6
